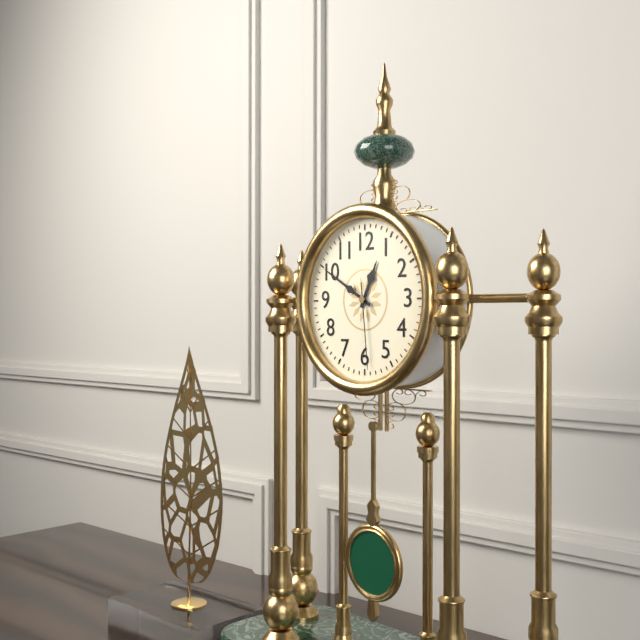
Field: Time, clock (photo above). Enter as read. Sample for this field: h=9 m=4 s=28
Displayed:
h=12 m=50 s=29
